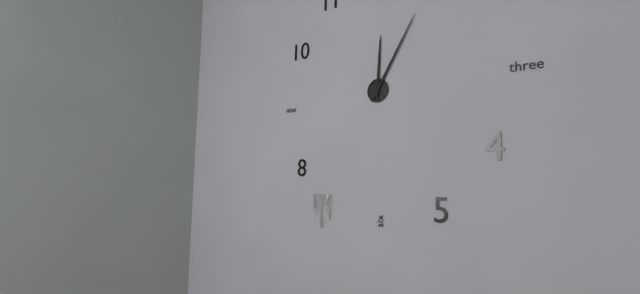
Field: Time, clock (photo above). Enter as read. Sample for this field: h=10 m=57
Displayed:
h=12 m=5
